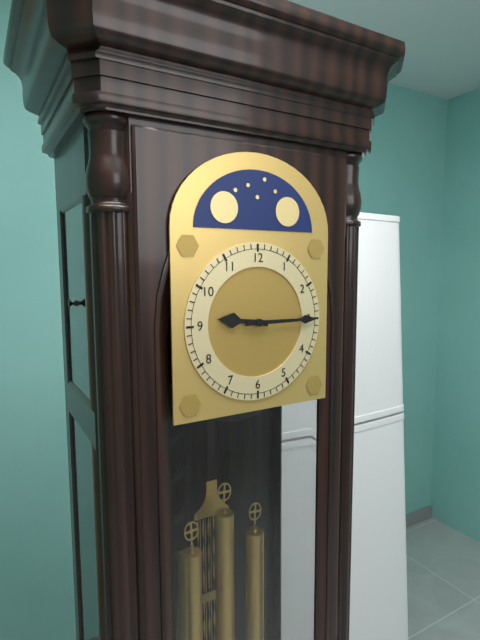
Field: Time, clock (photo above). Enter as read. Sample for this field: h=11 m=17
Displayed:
h=9 m=15
